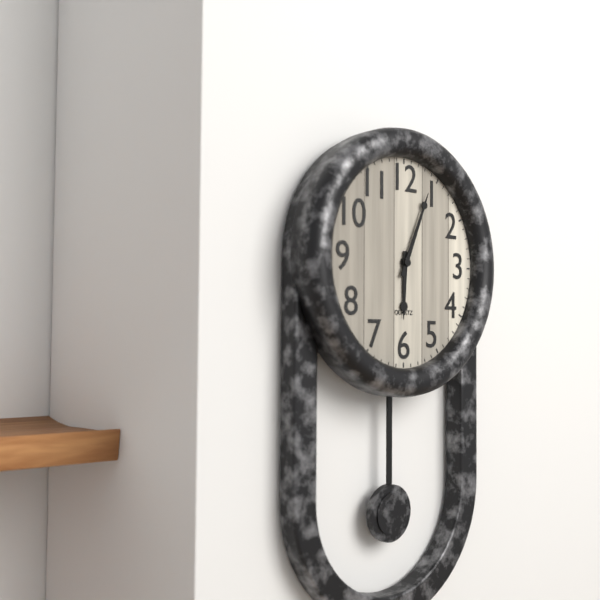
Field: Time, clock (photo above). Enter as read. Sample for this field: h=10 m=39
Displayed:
h=6 m=4
